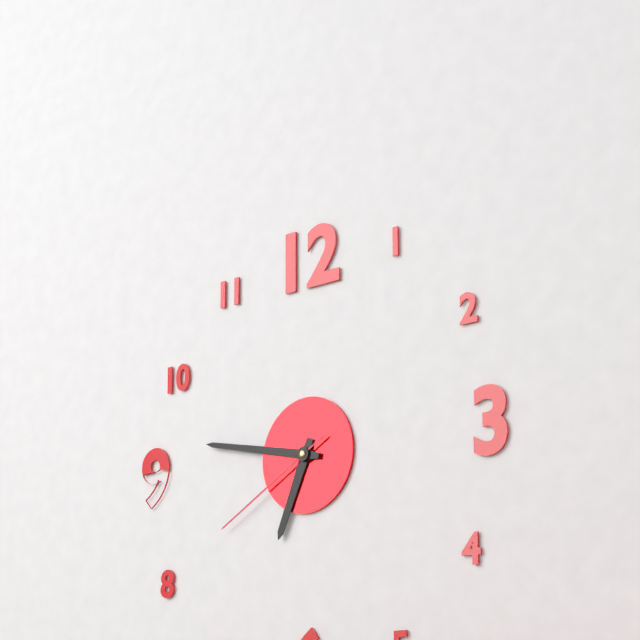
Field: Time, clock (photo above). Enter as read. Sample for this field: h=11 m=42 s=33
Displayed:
h=6 m=47 s=40
